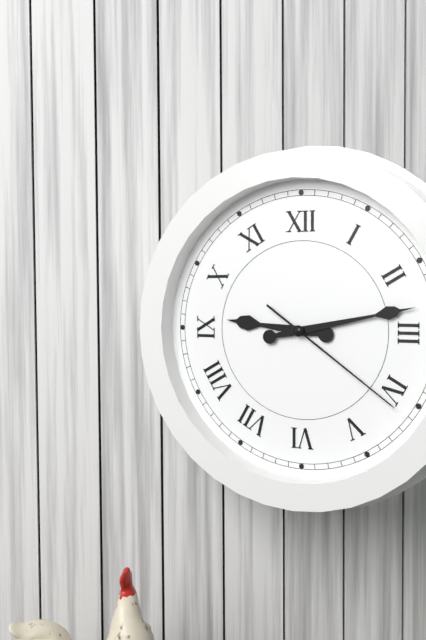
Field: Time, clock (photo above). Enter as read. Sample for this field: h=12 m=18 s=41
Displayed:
h=9 m=13 s=21
